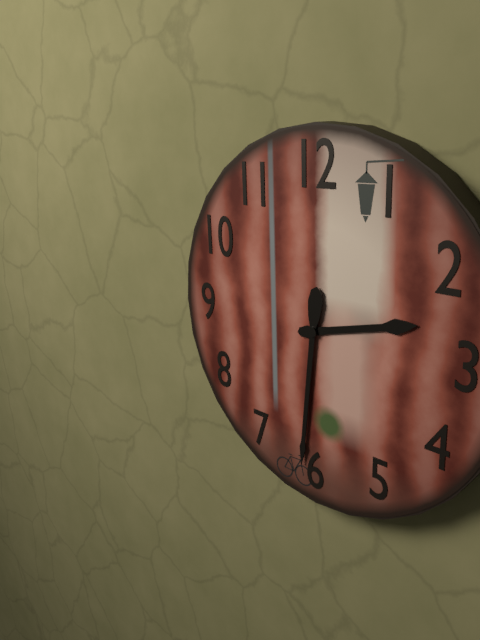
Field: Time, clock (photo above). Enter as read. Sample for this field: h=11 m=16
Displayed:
h=2 m=31
